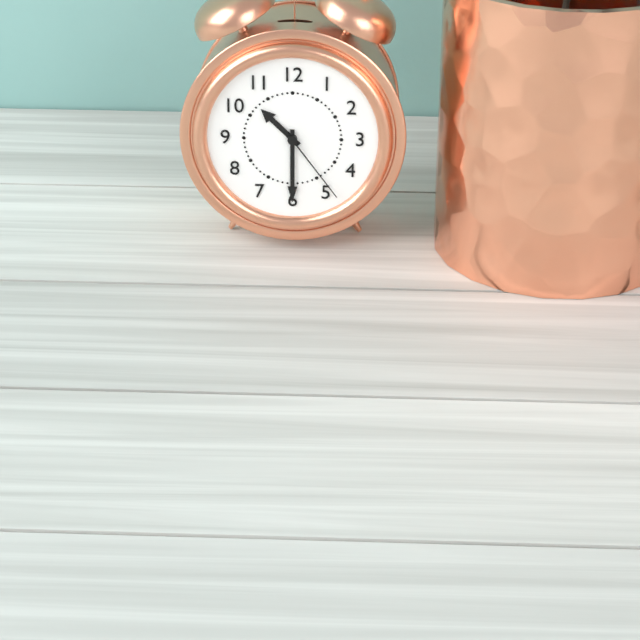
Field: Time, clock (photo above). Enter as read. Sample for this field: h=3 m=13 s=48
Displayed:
h=10 m=30 s=24
